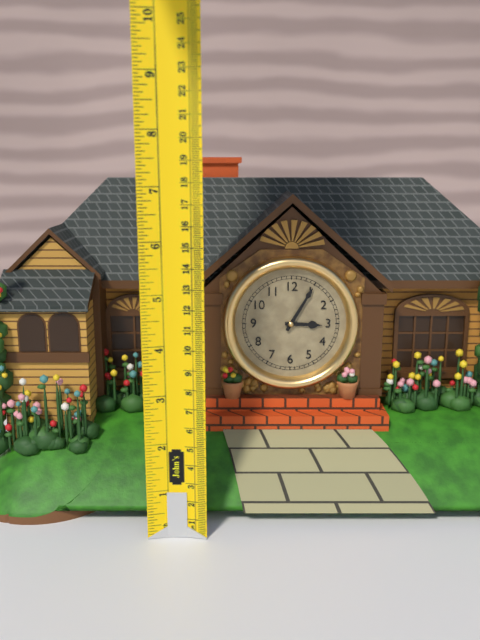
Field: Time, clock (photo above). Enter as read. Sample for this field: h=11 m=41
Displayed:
h=3 m=5
